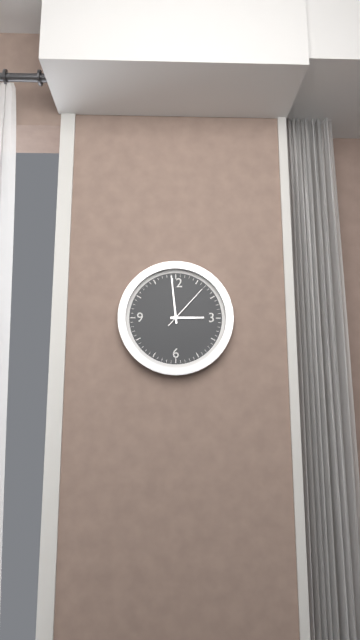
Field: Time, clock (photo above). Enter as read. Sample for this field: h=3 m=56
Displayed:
h=2 m=59
